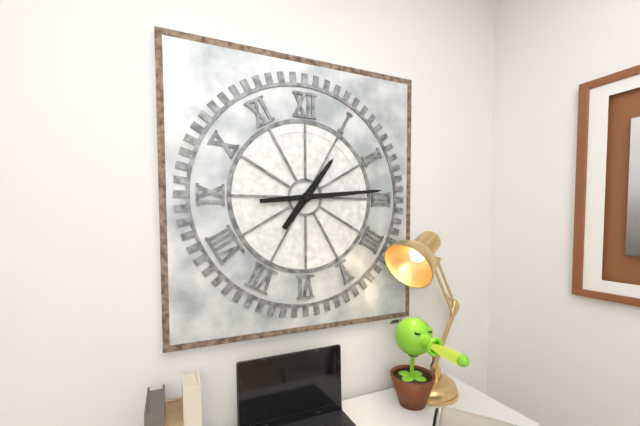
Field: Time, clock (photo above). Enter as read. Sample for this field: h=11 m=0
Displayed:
h=1 m=14
